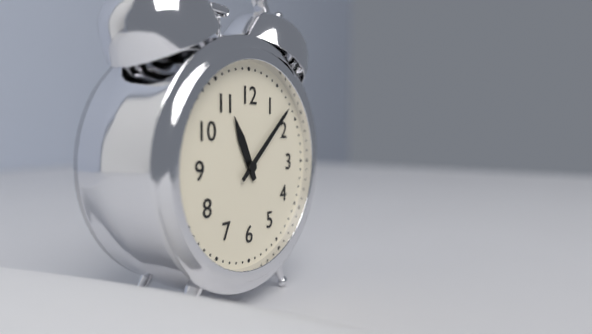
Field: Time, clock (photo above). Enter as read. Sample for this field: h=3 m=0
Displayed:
h=11 m=8
